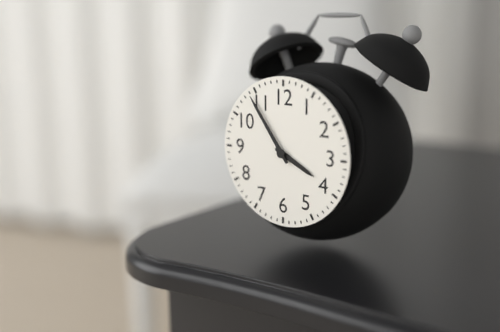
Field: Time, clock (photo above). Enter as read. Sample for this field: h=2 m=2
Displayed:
h=3 m=54
